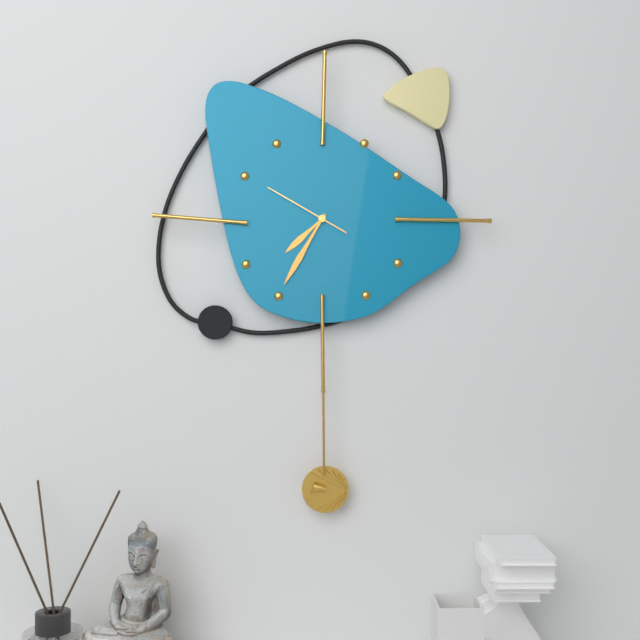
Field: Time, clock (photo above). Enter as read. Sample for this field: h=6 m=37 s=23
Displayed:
h=7 m=35 s=50
